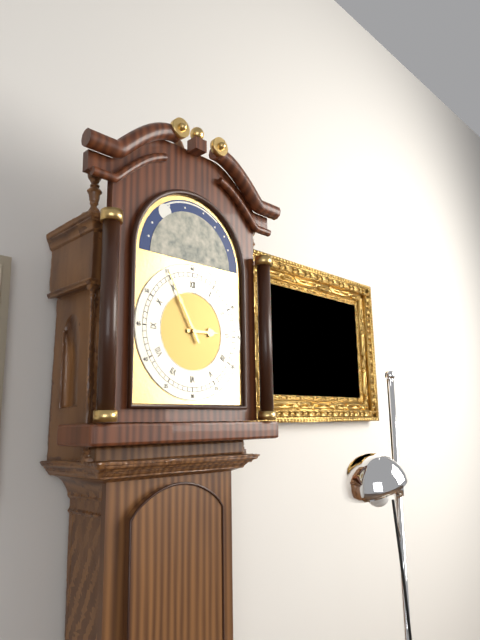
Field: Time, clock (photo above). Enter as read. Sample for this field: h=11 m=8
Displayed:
h=2 m=55
